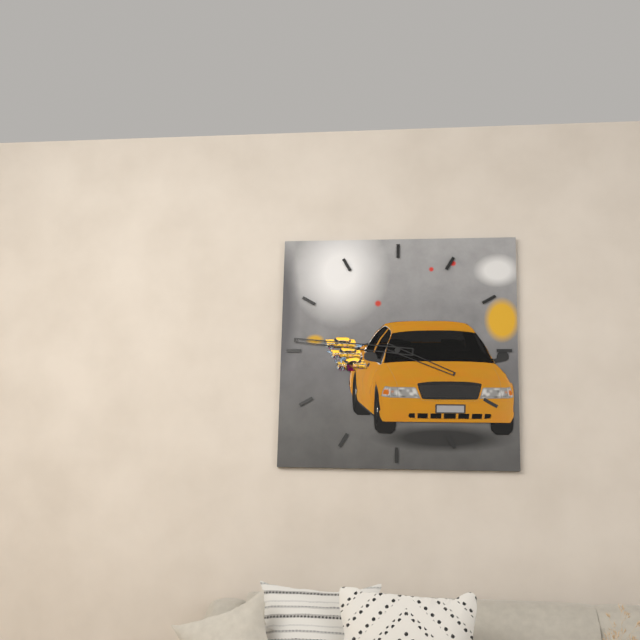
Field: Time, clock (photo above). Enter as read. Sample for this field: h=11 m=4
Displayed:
h=3 m=46
